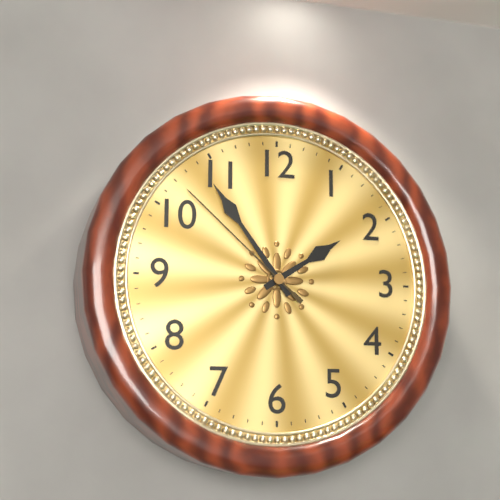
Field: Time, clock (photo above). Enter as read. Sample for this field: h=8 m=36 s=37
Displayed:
h=1 m=54 s=52
